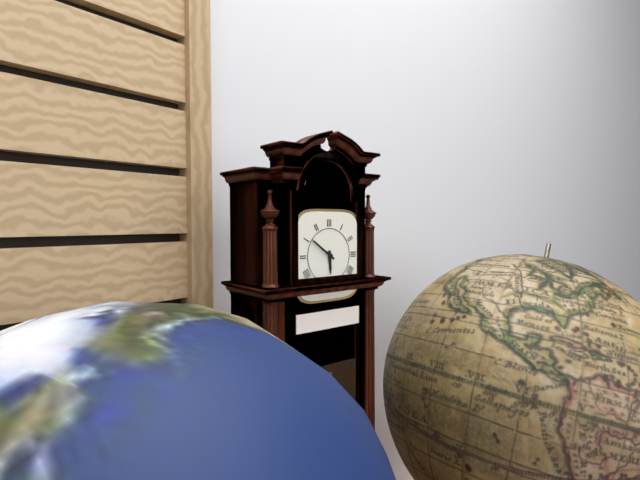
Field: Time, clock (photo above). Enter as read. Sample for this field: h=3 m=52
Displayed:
h=5 m=51
